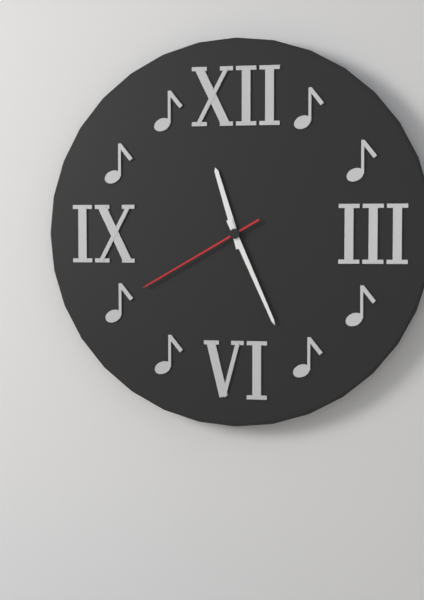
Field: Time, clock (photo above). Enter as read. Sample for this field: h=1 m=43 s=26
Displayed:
h=11 m=26 s=40
